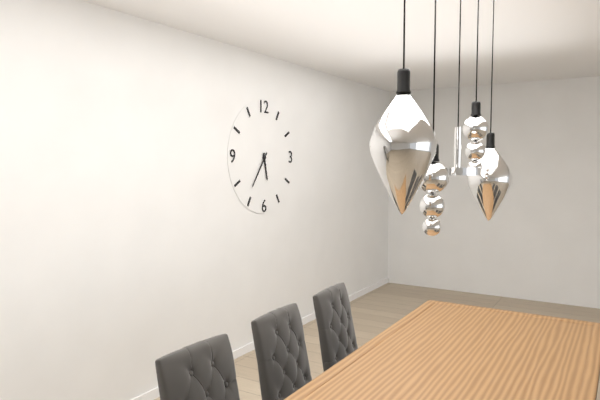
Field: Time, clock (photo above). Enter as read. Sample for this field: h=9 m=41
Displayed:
h=5 m=36
